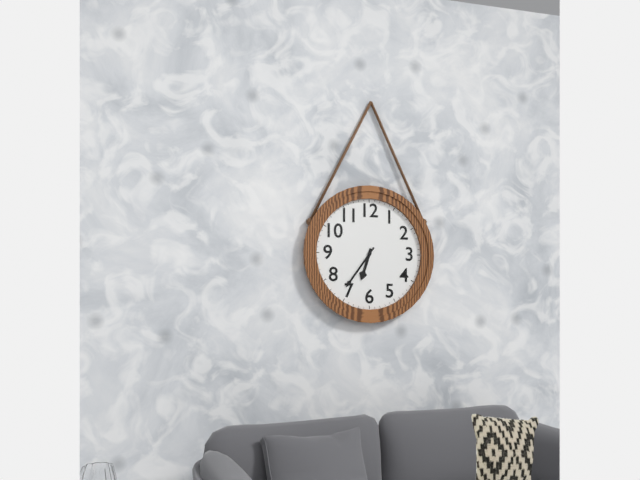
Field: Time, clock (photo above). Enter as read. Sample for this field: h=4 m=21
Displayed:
h=6 m=36
